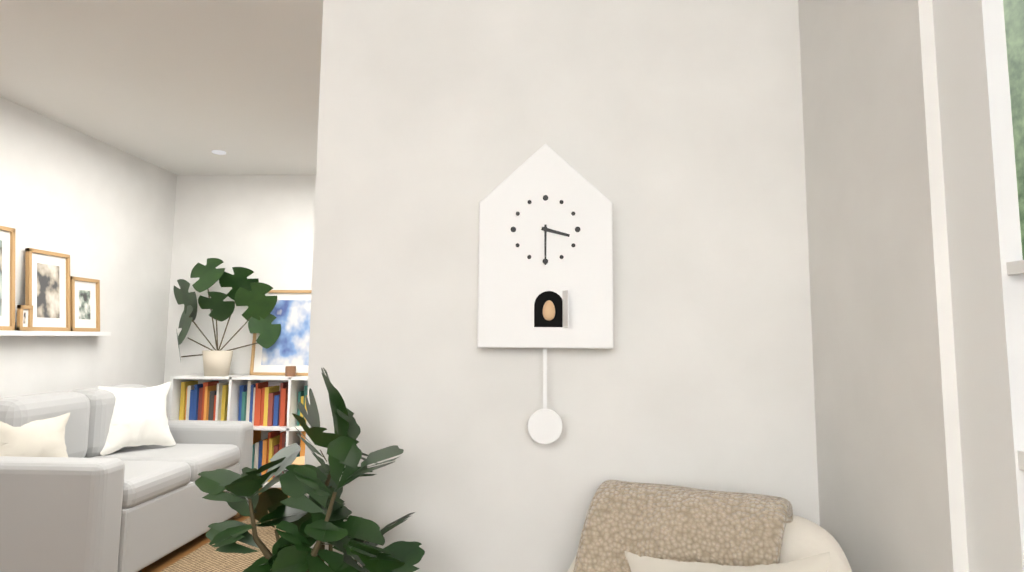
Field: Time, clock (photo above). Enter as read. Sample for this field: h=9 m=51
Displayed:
h=3 m=30
